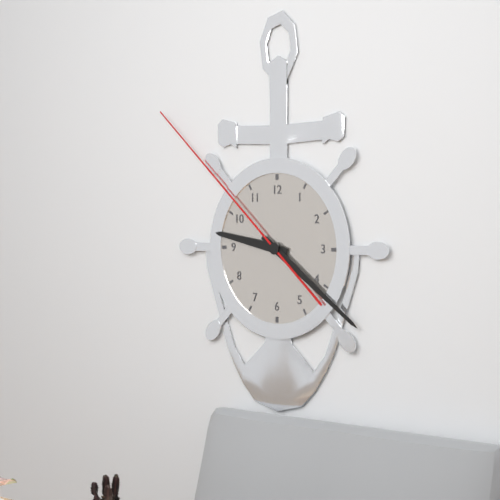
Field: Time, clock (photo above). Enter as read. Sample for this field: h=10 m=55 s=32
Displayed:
h=9 m=21 s=52
